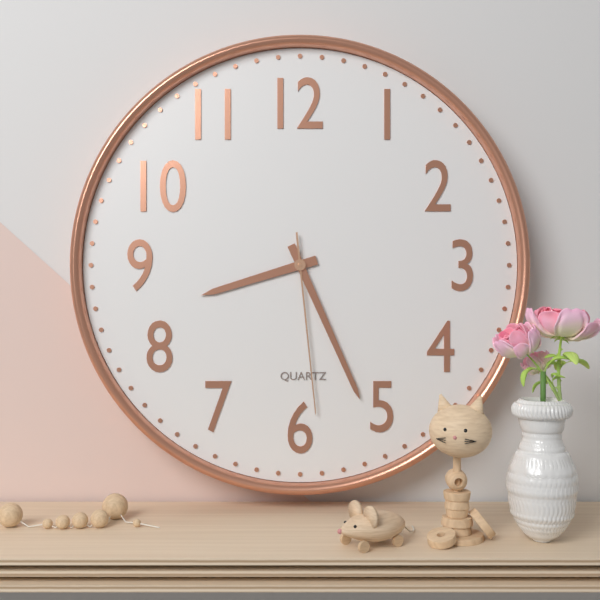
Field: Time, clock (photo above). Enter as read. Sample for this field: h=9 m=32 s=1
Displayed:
h=8 m=26 s=29
